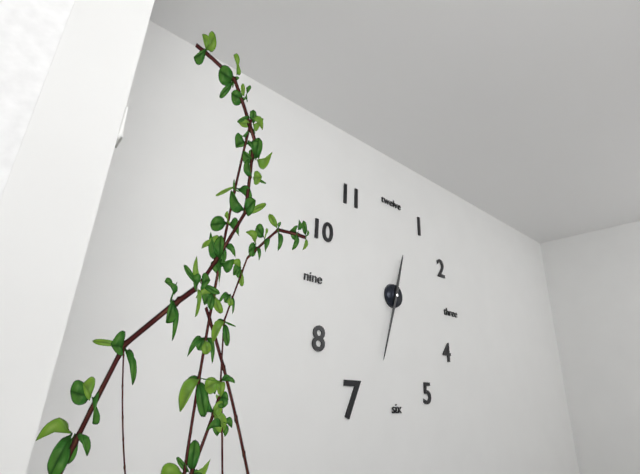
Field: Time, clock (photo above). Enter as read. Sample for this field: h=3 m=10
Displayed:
h=12 m=33
